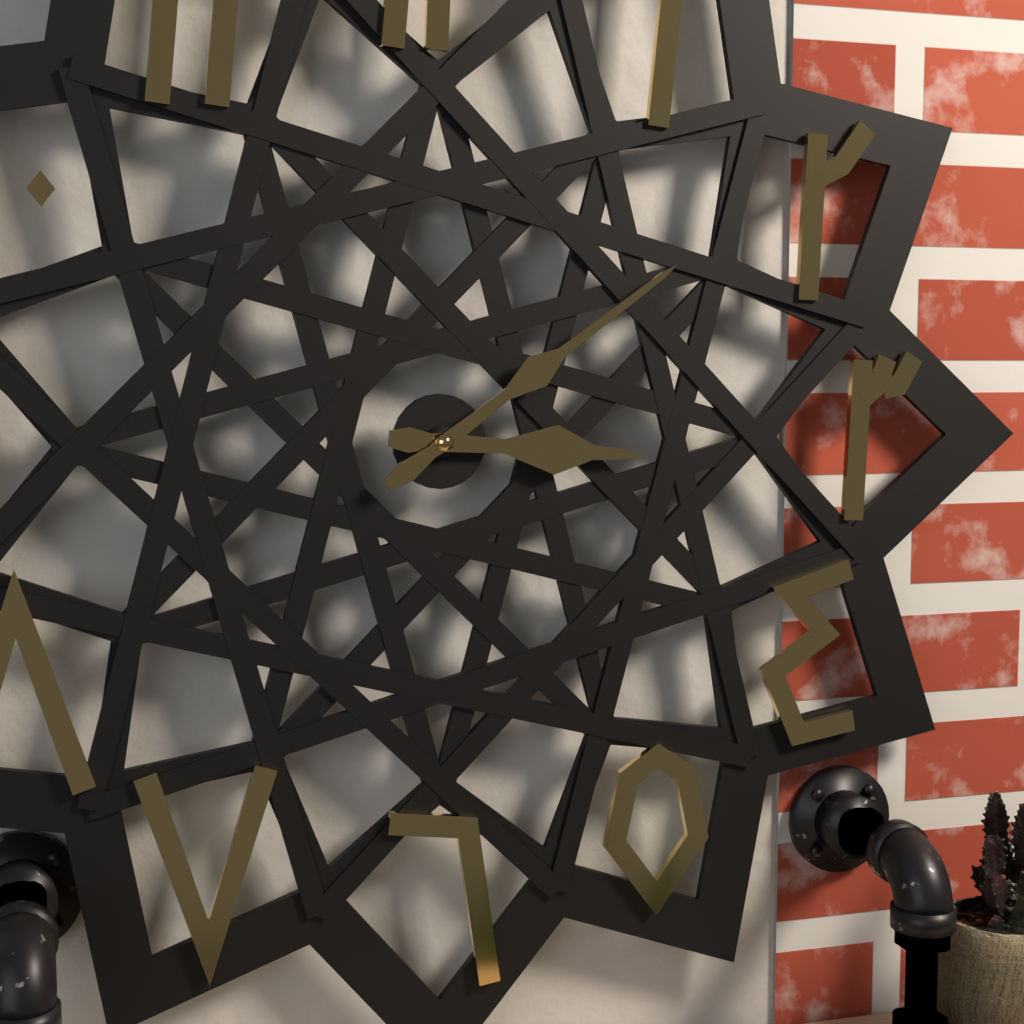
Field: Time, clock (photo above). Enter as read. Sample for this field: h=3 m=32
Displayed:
h=3 m=9
